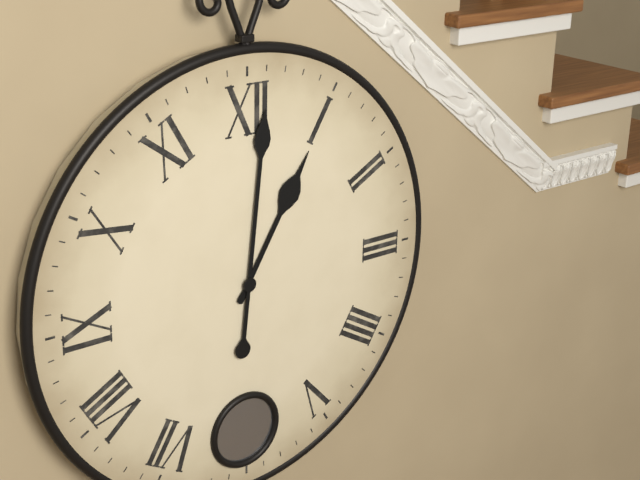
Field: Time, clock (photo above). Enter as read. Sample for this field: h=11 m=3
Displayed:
h=1 m=1
